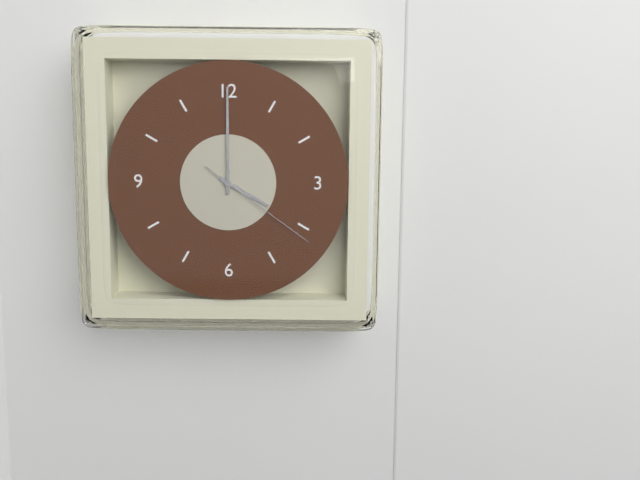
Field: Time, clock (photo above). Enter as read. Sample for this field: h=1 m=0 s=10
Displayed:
h=4 m=0 s=21
